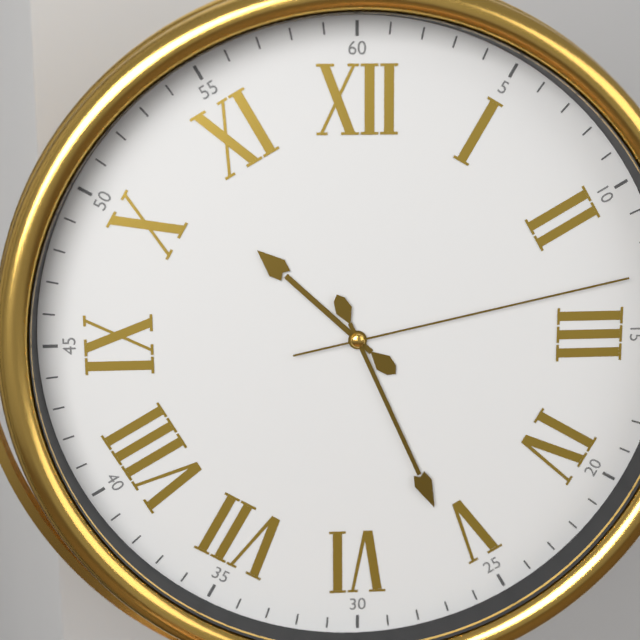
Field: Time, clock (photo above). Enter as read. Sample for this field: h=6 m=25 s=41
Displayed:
h=10 m=26 s=13
